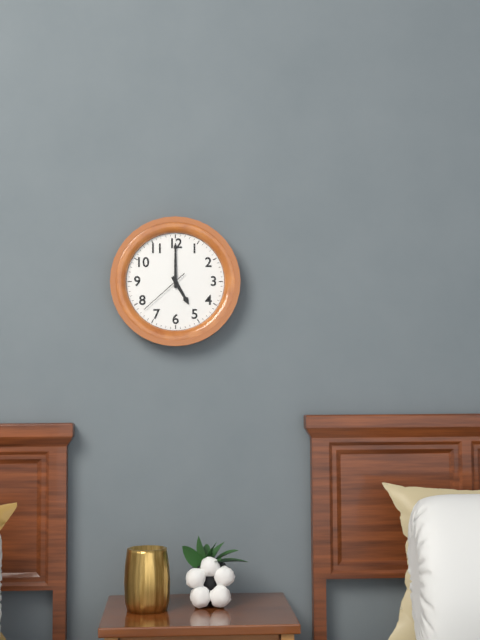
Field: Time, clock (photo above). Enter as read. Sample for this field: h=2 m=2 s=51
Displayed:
h=5 m=0 s=38
